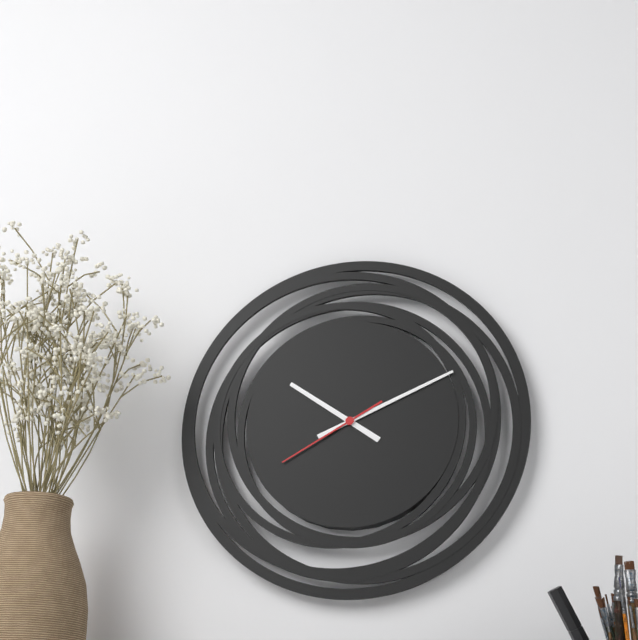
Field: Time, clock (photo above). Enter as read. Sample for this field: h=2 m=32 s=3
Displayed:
h=10 m=11 s=40
